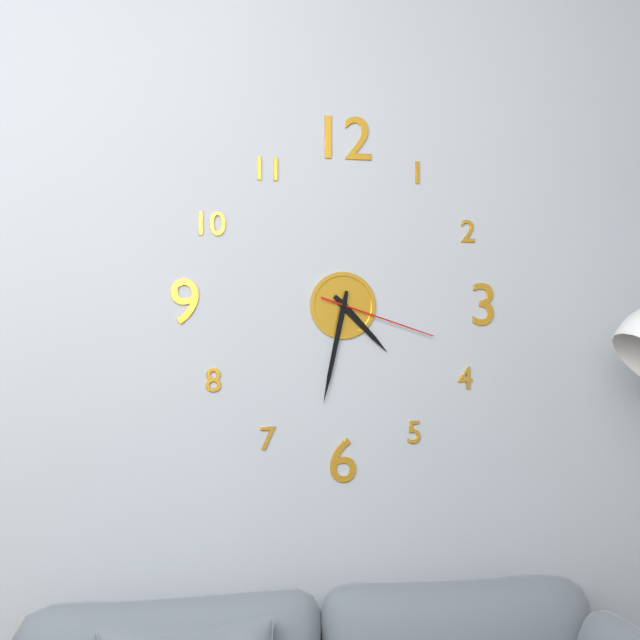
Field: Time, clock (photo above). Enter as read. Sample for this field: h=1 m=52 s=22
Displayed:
h=4 m=32 s=18
